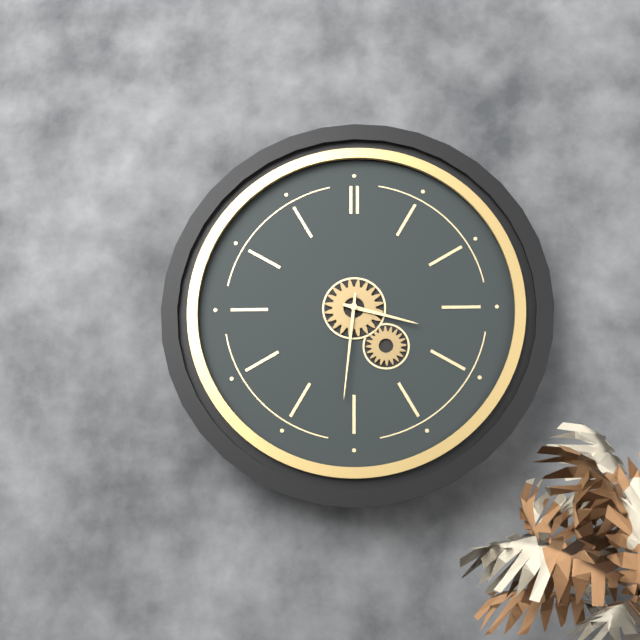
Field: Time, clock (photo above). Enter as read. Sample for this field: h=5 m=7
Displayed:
h=3 m=31
